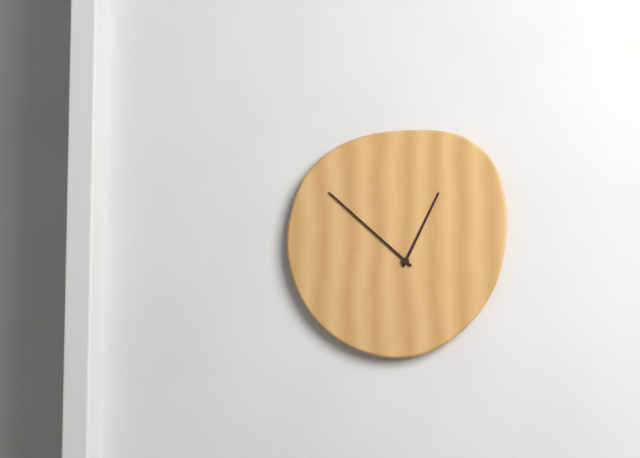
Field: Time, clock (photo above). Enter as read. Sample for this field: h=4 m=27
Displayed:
h=12 m=52
